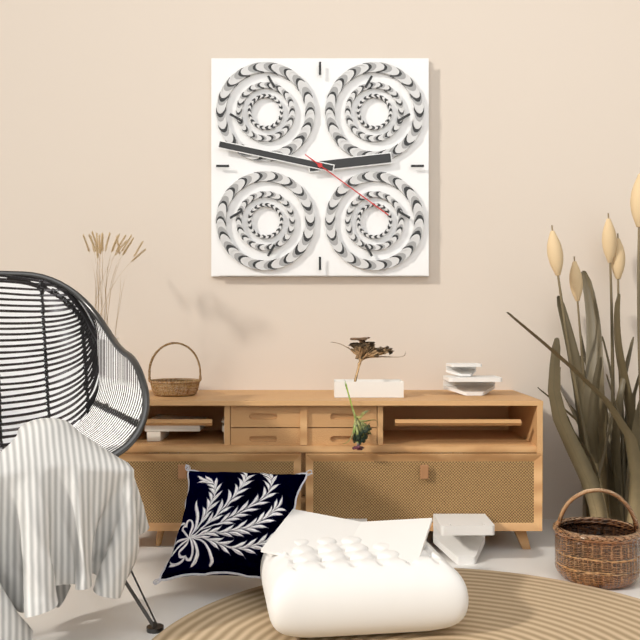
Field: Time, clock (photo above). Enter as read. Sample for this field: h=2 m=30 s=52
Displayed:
h=2 m=47 s=21
